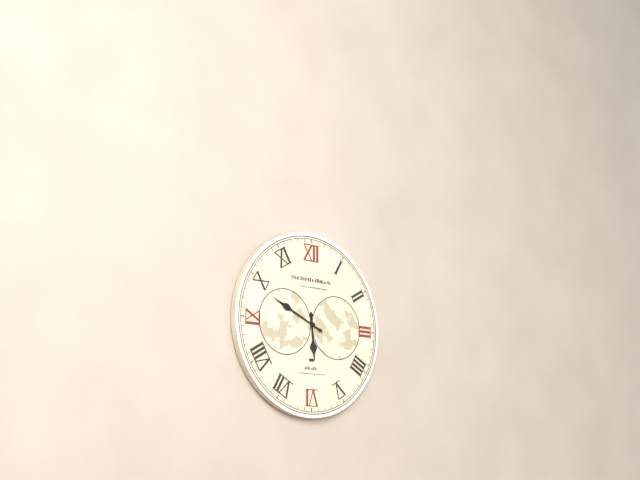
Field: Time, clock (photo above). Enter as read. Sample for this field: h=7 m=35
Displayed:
h=5 m=49
